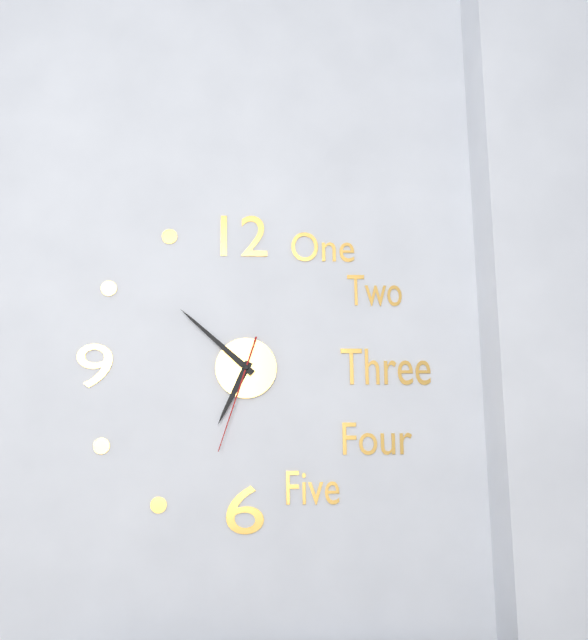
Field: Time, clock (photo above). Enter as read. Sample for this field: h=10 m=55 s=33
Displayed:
h=6 m=52 s=33
